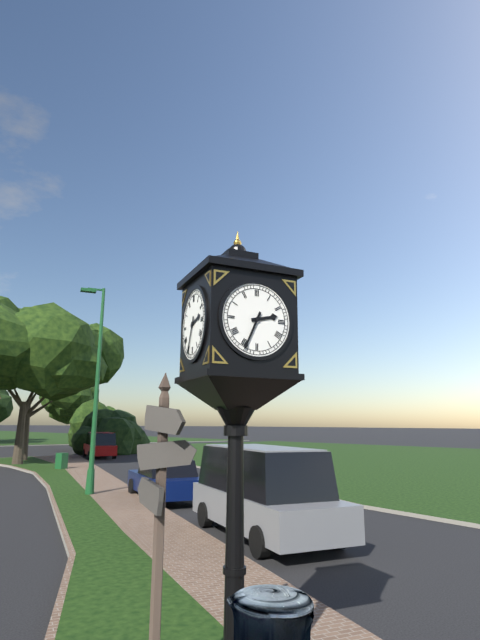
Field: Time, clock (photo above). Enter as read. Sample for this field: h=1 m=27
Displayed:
h=2 m=34
